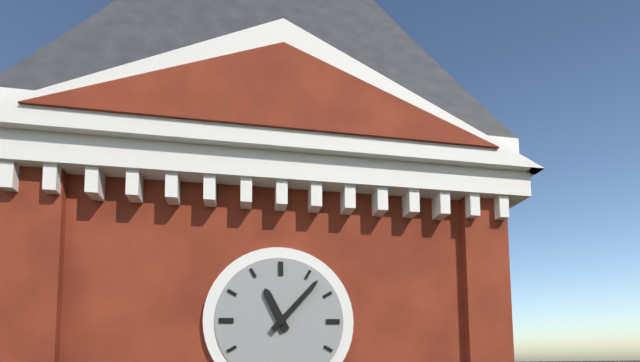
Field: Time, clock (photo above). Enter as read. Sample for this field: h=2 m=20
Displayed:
h=11 m=7
